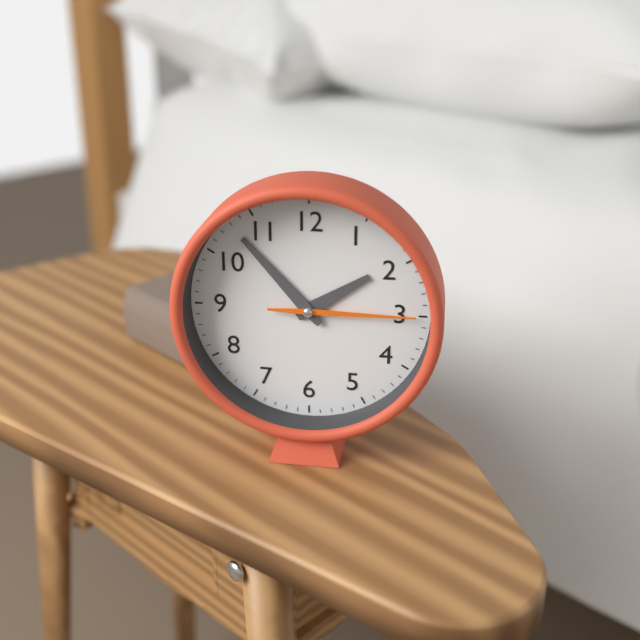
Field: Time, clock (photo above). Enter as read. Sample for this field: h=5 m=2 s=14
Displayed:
h=1 m=53 s=15
